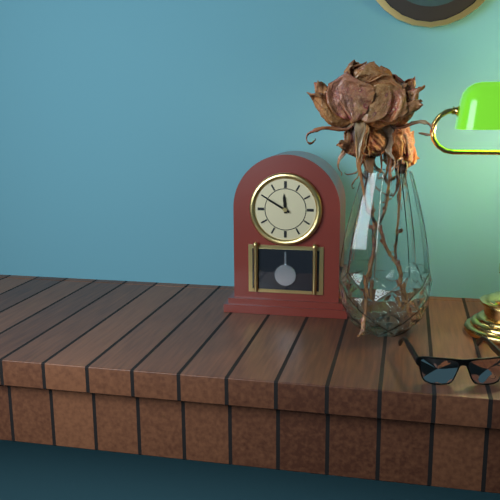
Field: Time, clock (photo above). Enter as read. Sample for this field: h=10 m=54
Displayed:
h=11 m=50
